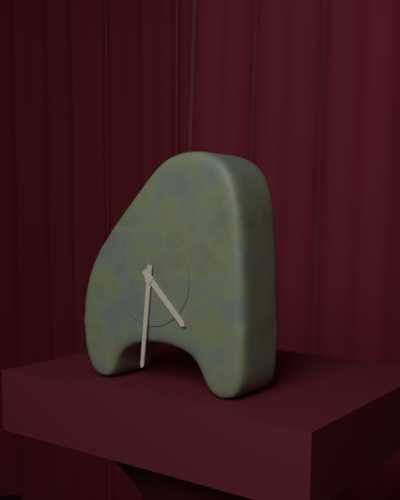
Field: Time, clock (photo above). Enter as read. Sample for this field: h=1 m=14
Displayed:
h=4 m=31
